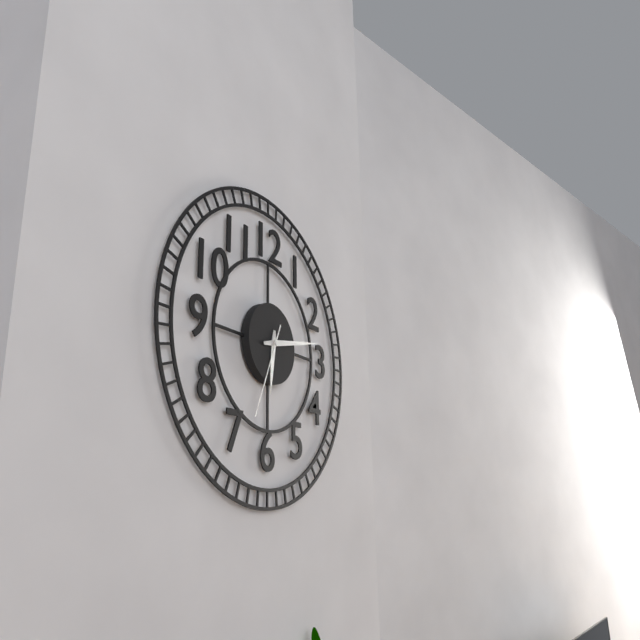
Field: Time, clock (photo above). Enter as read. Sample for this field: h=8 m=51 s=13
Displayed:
h=6 m=13 s=34
